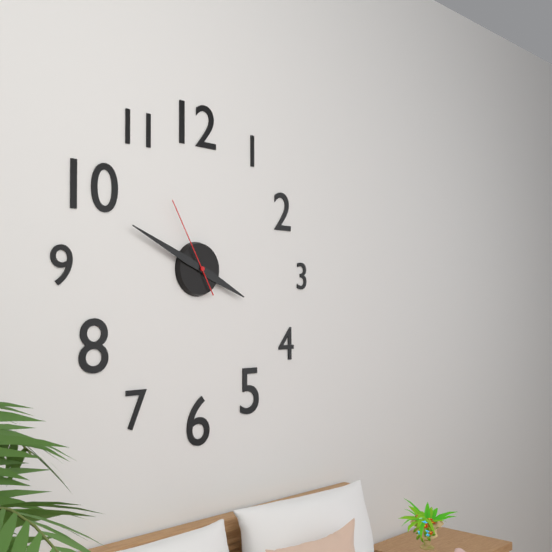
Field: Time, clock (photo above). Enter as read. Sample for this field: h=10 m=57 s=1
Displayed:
h=3 m=49 s=55
